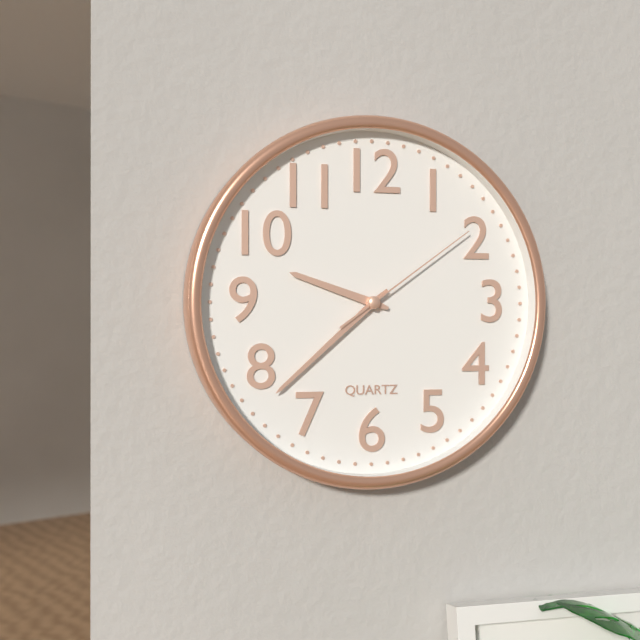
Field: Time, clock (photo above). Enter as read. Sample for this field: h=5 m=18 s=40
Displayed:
h=9 m=38 s=9
